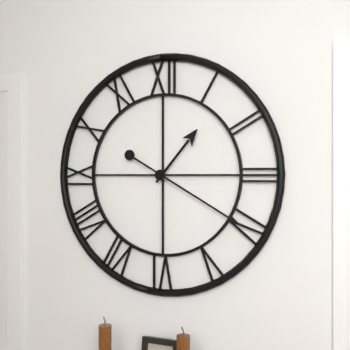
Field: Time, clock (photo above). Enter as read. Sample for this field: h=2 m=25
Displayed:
h=1 m=20
